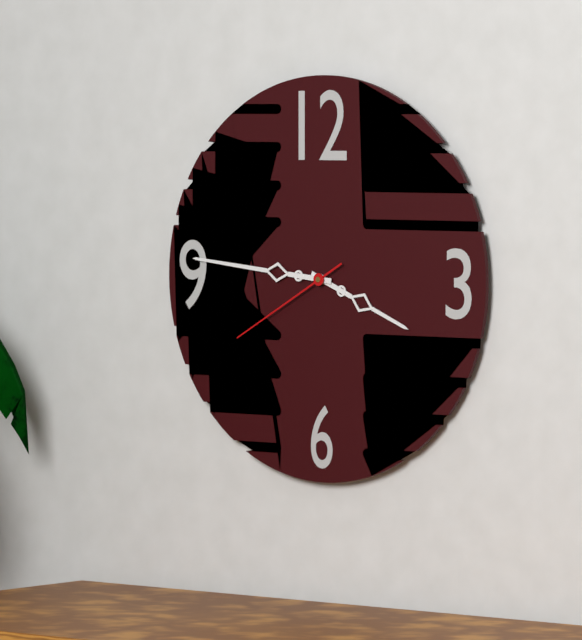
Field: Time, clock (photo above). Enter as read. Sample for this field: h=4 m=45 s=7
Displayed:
h=3 m=46 s=40
